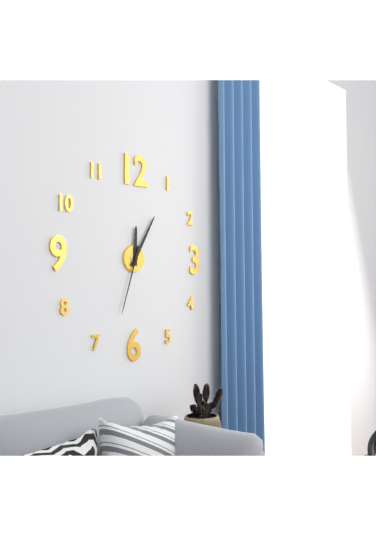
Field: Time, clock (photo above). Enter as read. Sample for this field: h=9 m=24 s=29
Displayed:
h=12 m=5 s=33
